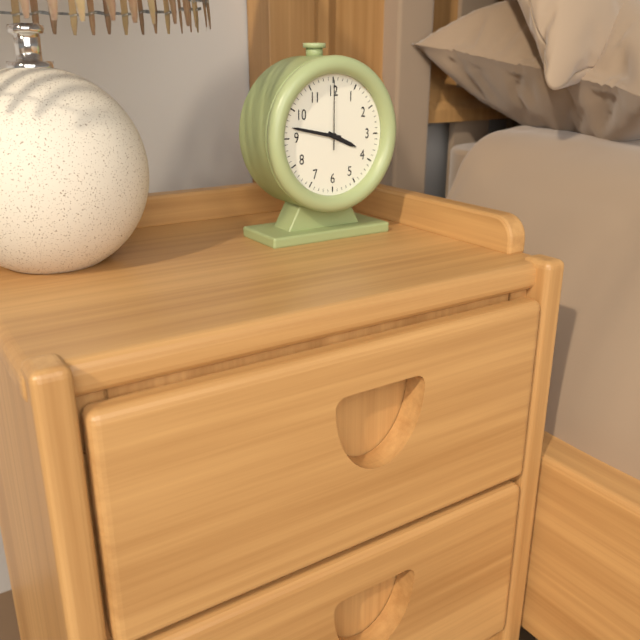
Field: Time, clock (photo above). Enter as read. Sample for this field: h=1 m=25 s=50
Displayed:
h=3 m=47 s=0
